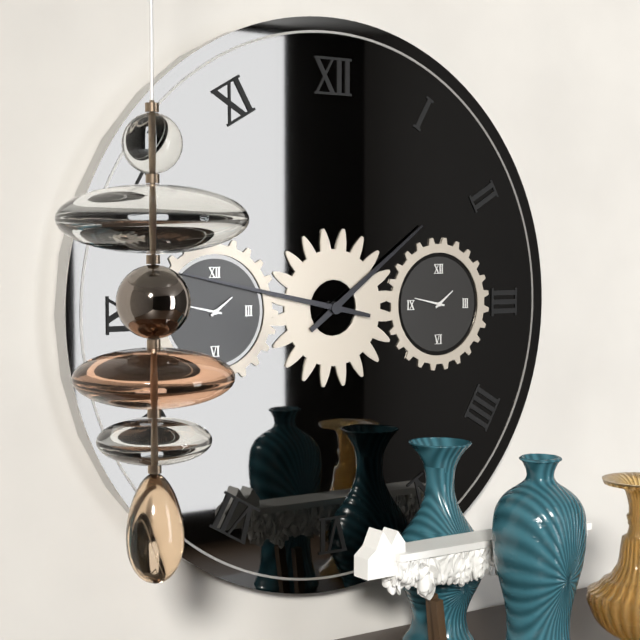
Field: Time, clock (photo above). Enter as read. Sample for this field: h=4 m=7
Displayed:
h=1 m=47
